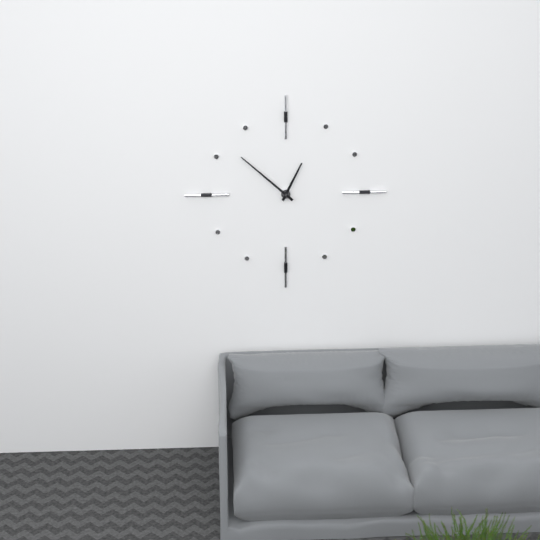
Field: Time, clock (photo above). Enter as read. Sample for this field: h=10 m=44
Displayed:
h=12 m=52
